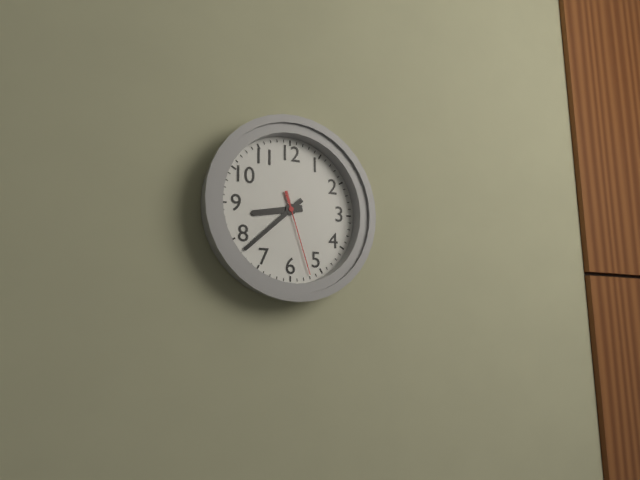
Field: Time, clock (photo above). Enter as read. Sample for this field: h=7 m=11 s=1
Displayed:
h=8 m=38 s=27
